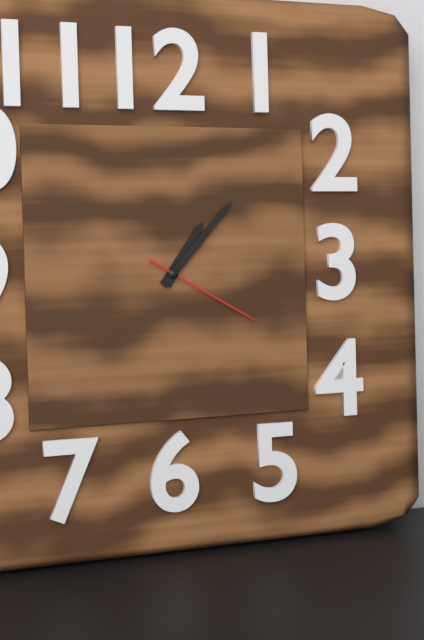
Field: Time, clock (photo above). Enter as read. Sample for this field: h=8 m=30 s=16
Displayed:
h=1 m=7 s=20
